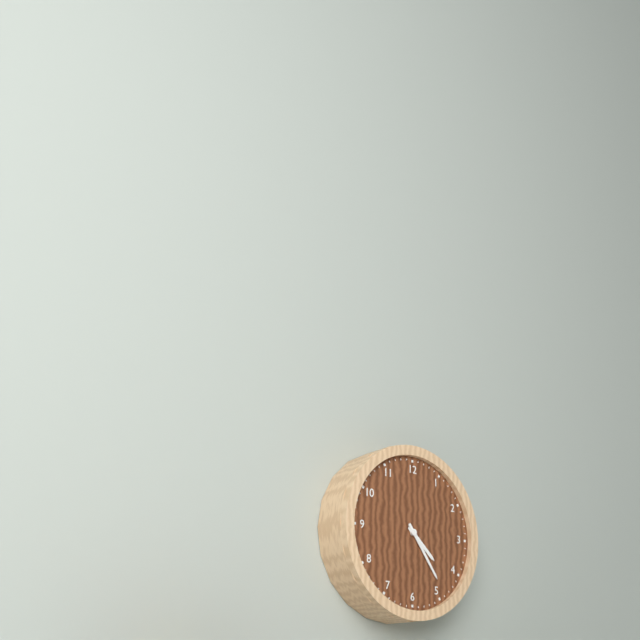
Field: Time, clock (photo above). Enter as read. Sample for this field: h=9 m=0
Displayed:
h=4 m=24
